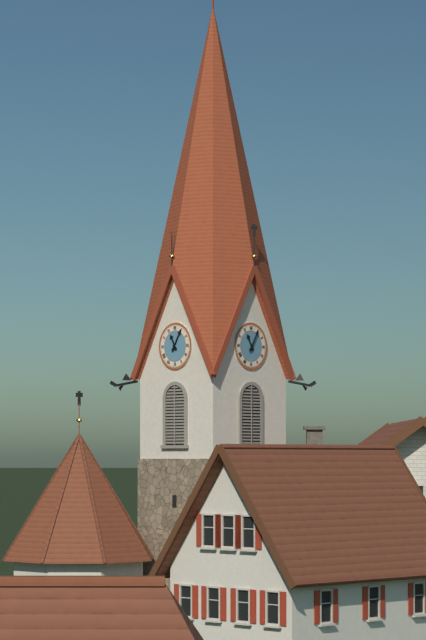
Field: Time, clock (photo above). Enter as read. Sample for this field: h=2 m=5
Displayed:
h=11 m=5
